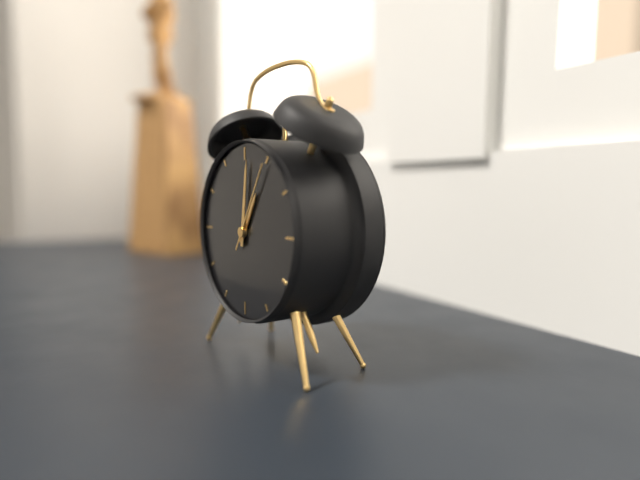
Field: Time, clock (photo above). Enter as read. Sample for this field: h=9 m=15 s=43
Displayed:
h=1 m=1 s=5
